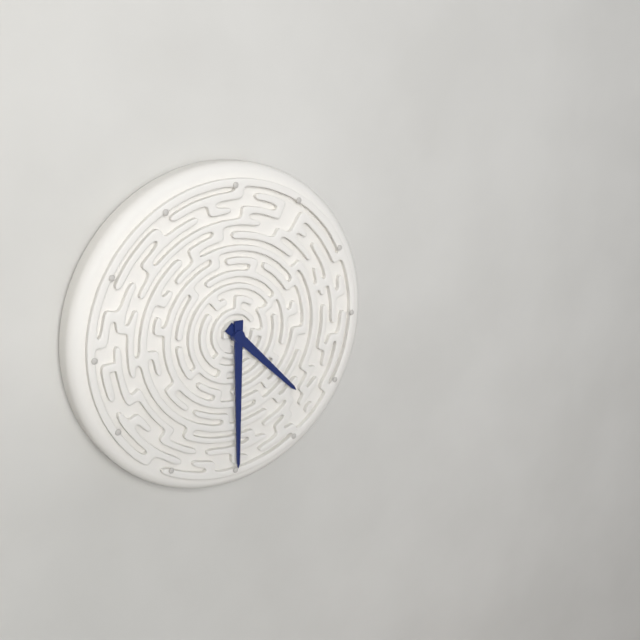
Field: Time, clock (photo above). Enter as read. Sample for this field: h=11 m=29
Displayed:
h=4 m=30
